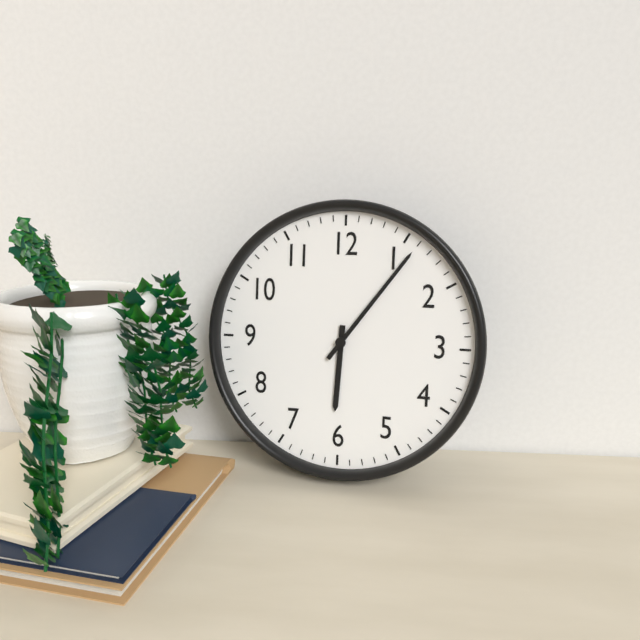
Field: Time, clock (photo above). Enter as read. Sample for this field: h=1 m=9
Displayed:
h=6 m=6
